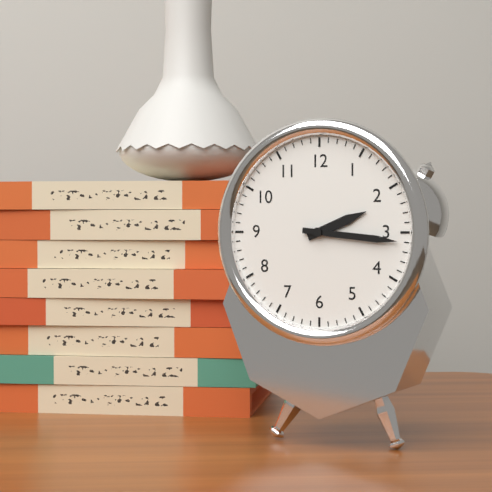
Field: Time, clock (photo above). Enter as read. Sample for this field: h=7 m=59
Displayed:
h=2 m=16
